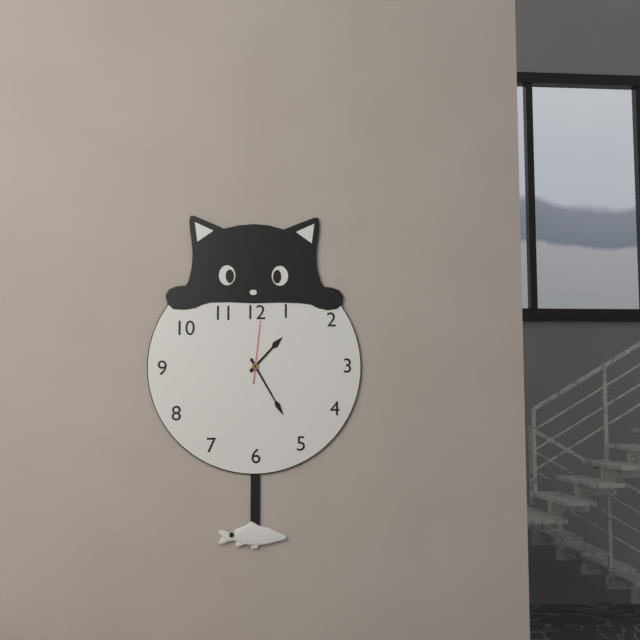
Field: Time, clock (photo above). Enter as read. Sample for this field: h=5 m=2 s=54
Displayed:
h=1 m=25 s=1
